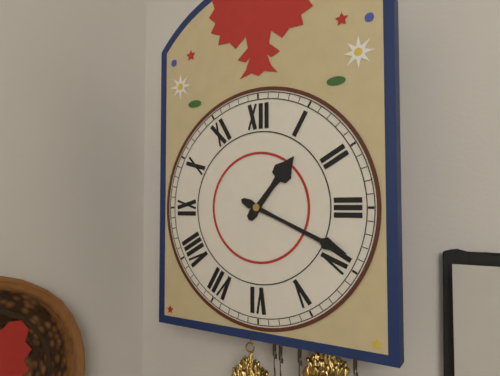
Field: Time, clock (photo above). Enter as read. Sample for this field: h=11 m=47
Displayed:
h=1 m=19
